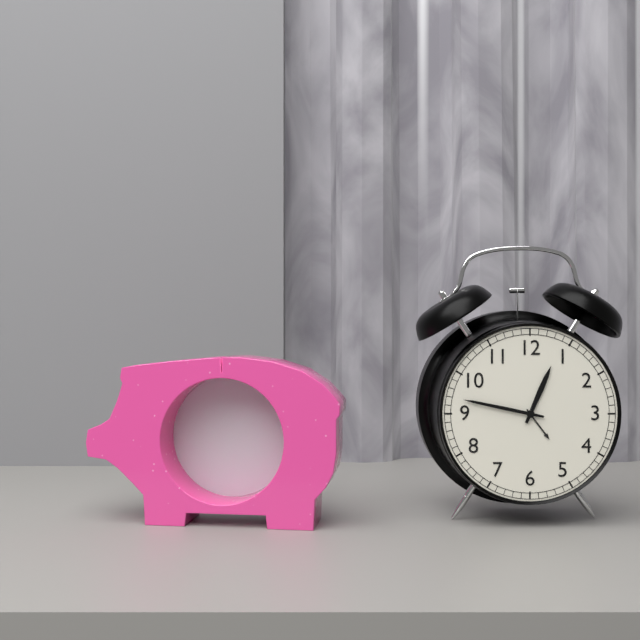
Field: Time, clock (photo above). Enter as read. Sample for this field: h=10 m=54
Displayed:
h=12 m=47
